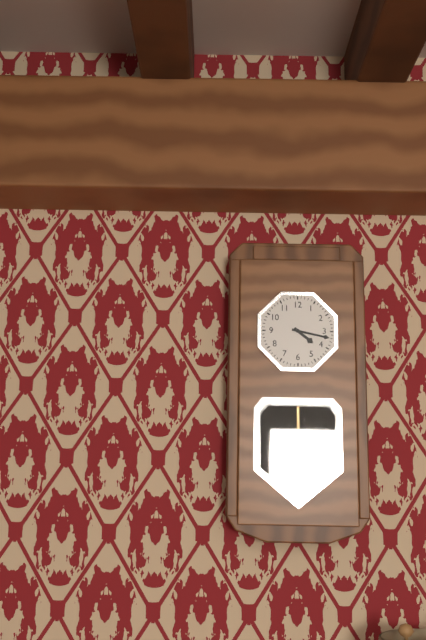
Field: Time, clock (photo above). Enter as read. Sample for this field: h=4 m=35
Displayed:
h=4 m=17
